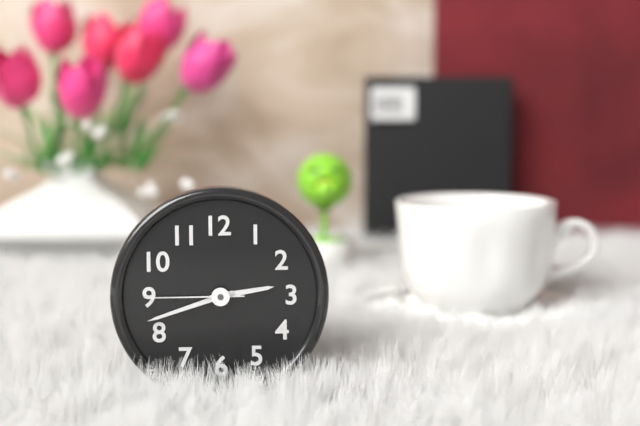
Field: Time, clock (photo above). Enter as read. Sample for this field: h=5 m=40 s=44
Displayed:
h=2 m=42 s=45
